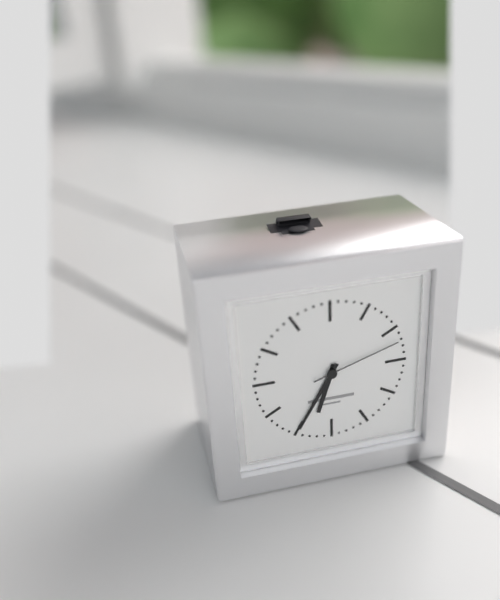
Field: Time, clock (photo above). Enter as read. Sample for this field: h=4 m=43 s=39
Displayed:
h=6 m=35 s=12
